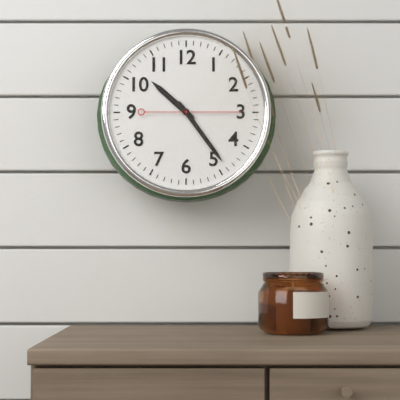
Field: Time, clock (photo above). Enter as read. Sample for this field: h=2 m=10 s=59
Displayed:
h=10 m=24 s=15
